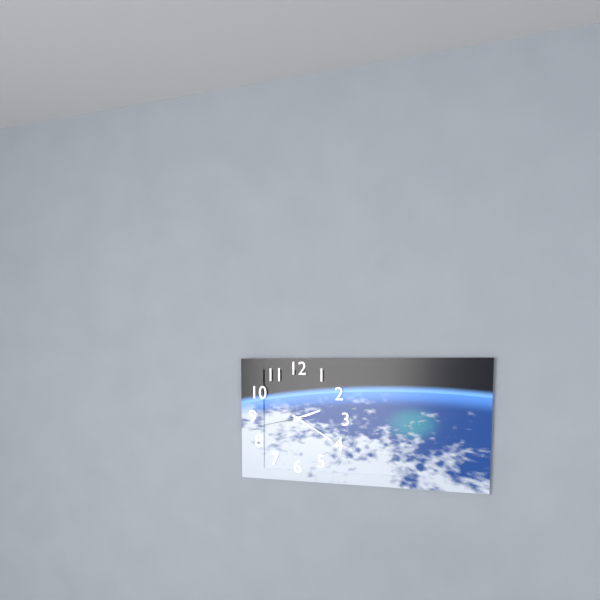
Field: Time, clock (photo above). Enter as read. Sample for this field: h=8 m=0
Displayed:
h=2 m=20
